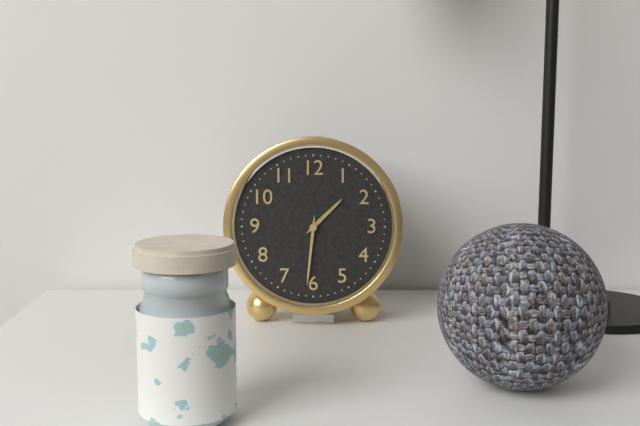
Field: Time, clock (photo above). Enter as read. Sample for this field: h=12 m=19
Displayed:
h=1 m=31
